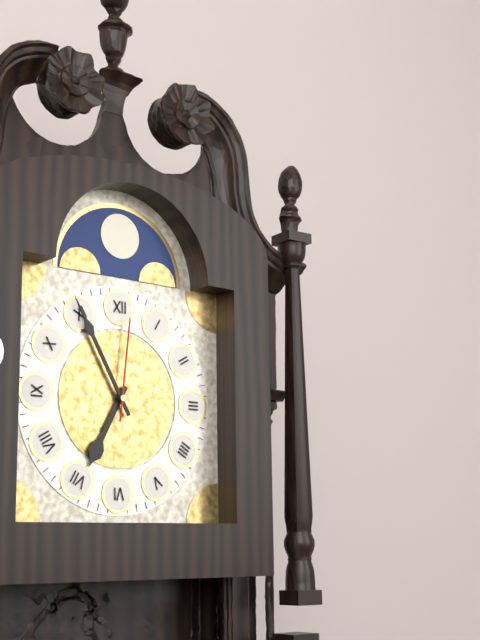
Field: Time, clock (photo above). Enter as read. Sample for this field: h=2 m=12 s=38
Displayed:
h=6 m=55 s=1
